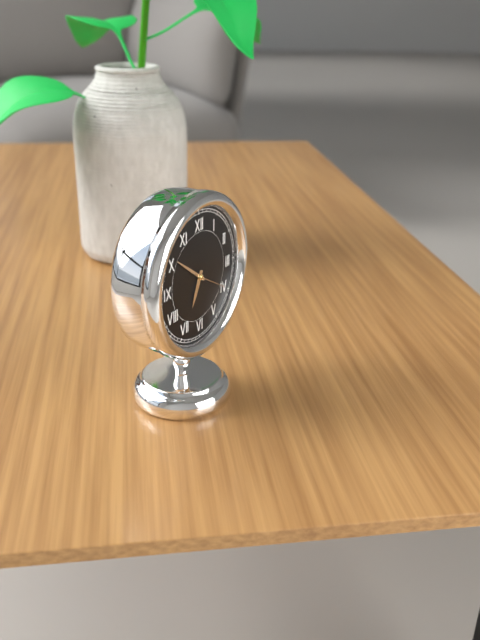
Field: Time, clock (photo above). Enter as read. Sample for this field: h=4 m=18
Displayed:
h=6 m=51
